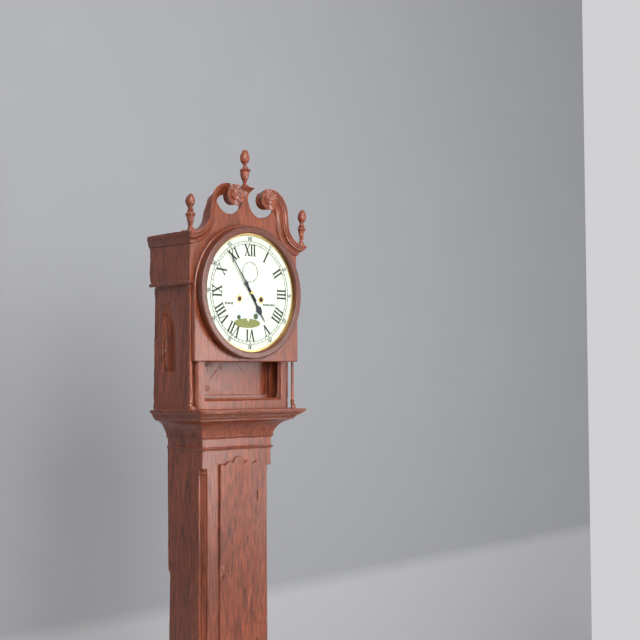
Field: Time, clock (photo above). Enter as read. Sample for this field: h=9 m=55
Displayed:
h=4 m=54
